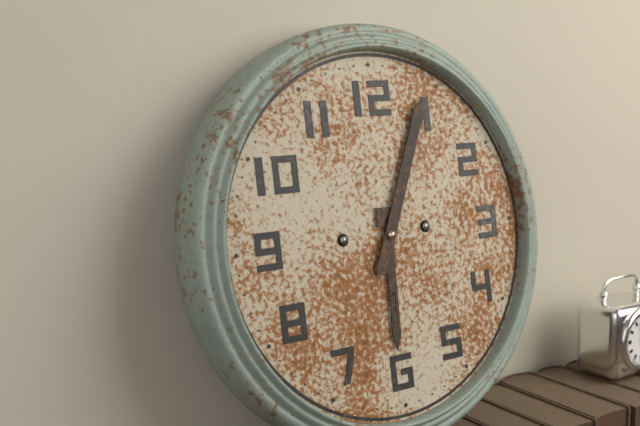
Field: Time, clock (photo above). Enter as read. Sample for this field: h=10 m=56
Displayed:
h=6 m=4
